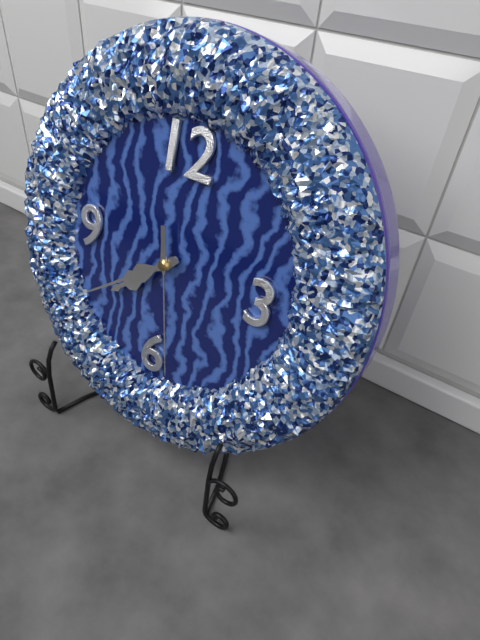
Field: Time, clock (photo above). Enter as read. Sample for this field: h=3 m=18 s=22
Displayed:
h=7 m=39 s=28
